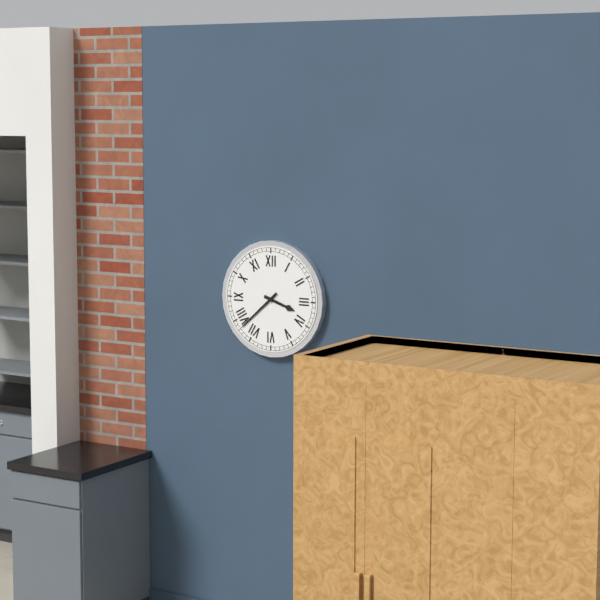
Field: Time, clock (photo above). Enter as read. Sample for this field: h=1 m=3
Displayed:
h=3 m=38
